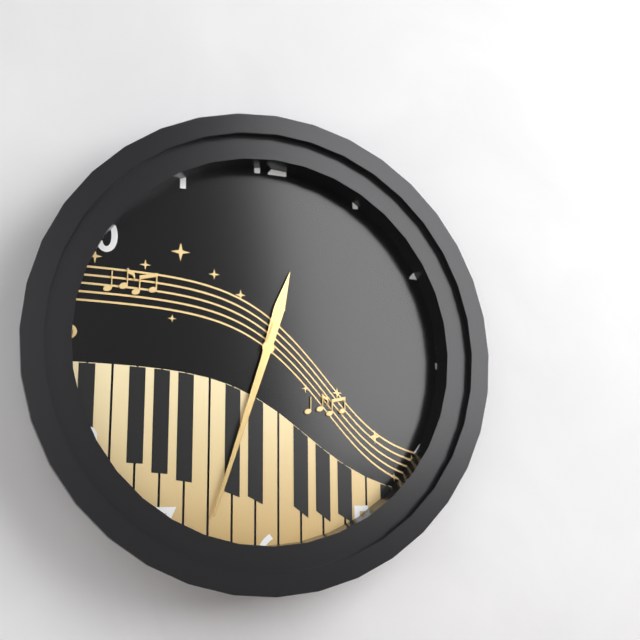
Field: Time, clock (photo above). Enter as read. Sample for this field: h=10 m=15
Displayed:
h=12 m=33
